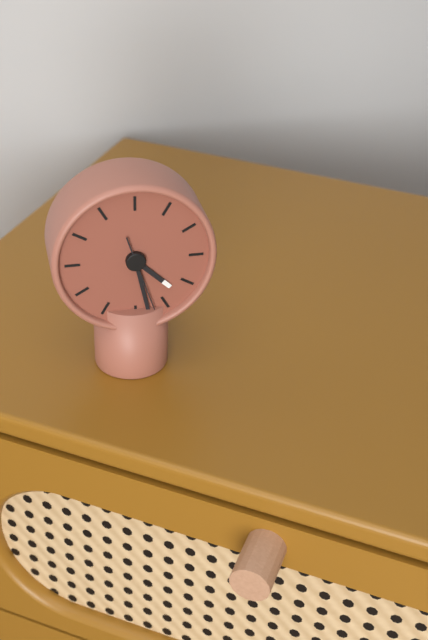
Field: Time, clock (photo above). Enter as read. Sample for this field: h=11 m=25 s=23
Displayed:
h=4 m=28 s=27
